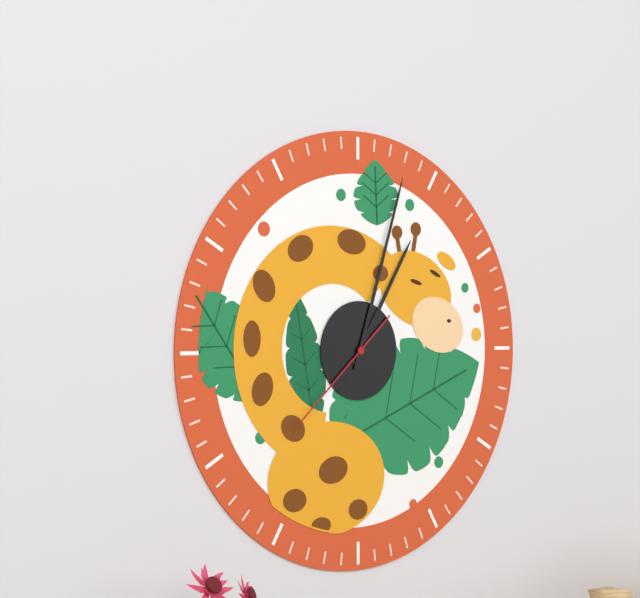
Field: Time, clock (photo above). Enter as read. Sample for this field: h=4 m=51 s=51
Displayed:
h=1 m=3 s=38
